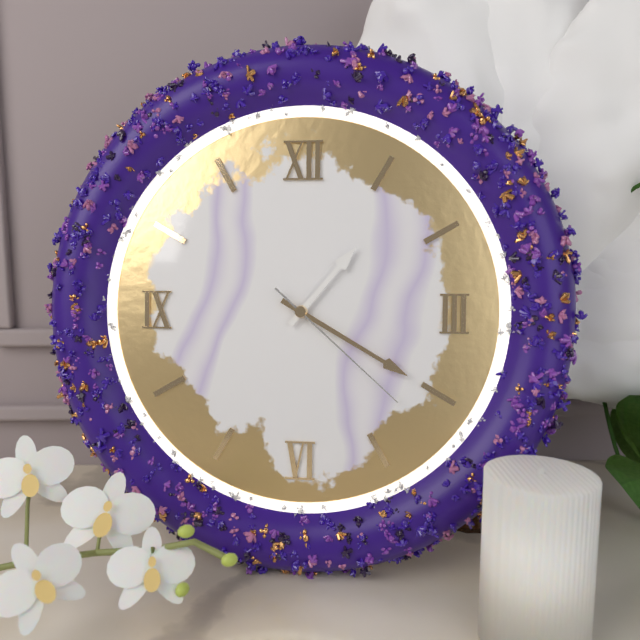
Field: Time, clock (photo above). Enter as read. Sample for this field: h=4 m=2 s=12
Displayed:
h=1 m=20 s=22
